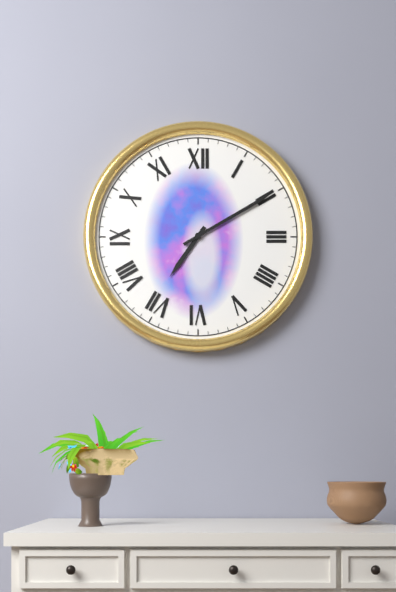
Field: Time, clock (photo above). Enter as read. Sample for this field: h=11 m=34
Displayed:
h=7 m=10
